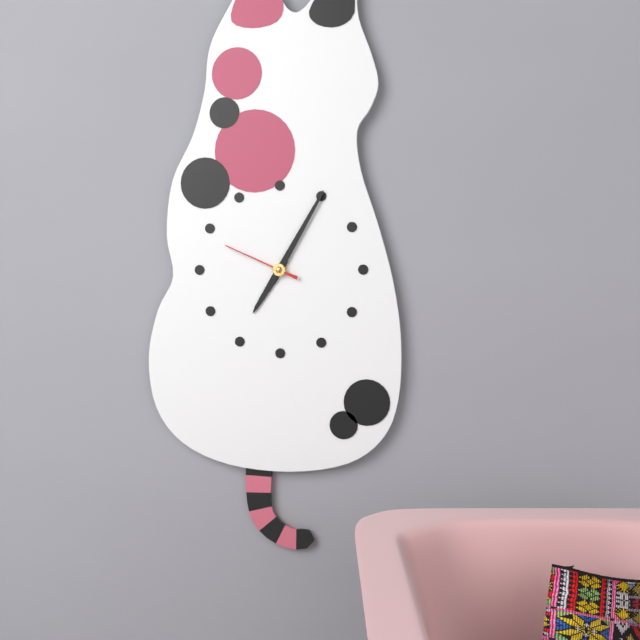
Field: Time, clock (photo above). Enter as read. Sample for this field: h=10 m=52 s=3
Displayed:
h=7 m=5 s=49
